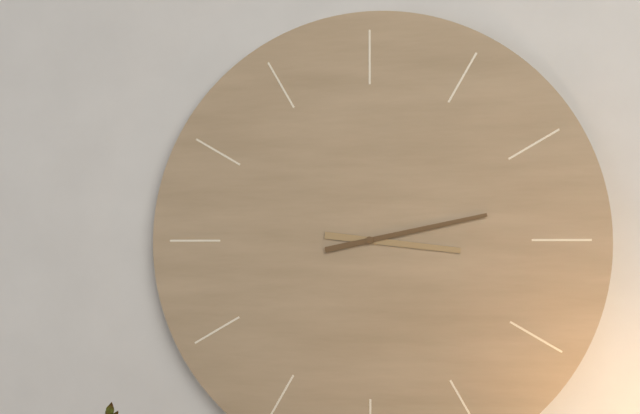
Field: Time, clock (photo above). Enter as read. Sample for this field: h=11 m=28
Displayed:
h=3 m=13
